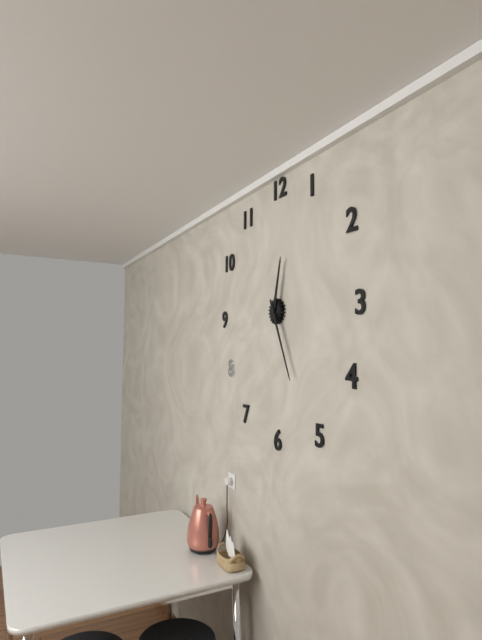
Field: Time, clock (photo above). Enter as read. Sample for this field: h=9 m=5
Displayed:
h=12 m=26
